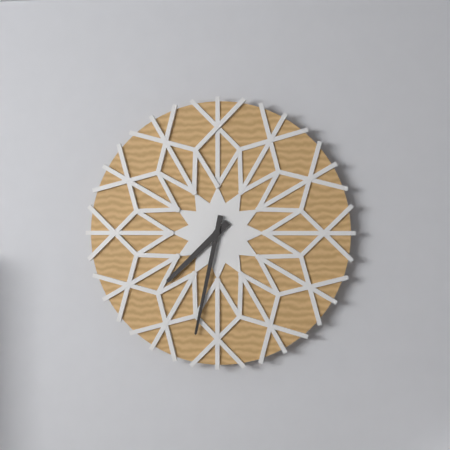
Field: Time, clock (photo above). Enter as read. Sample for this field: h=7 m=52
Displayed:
h=7 m=32
